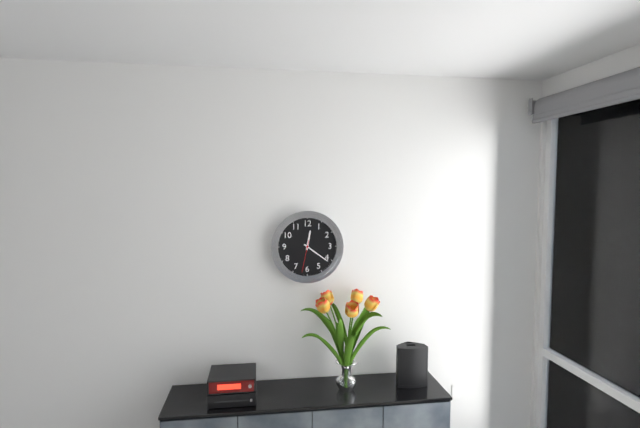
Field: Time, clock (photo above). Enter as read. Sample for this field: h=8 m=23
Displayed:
h=12 m=21
